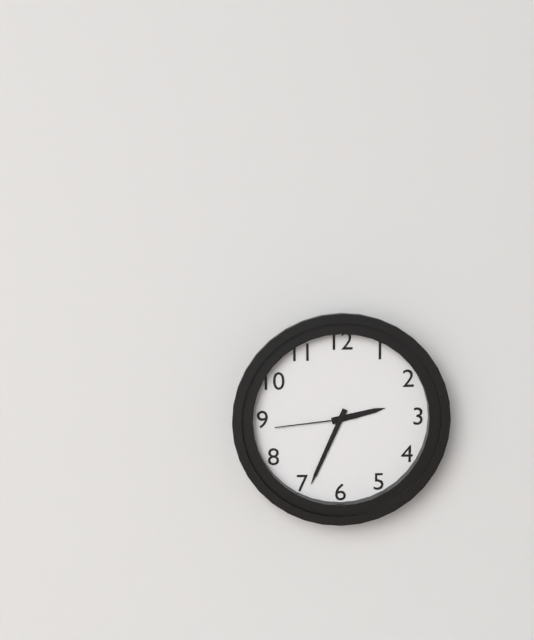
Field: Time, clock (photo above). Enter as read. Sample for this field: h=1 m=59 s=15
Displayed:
h=2 m=34 s=44
